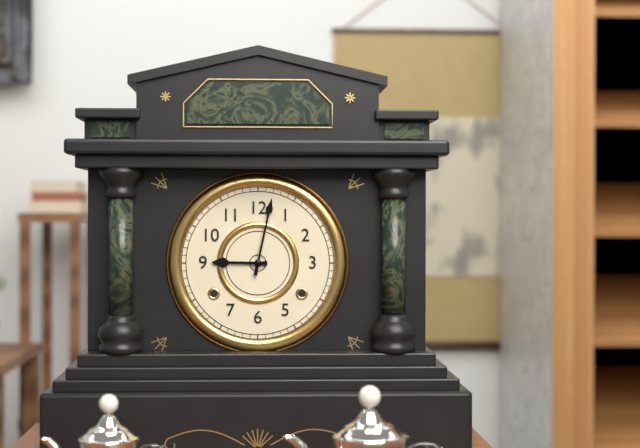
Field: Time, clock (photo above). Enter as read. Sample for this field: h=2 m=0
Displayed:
h=9 m=2
